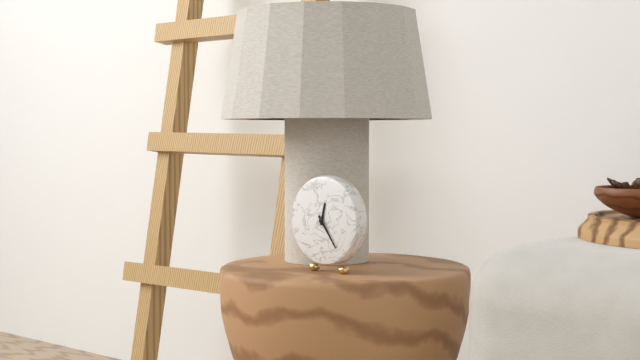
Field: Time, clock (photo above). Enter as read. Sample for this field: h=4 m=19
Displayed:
h=12 m=24
